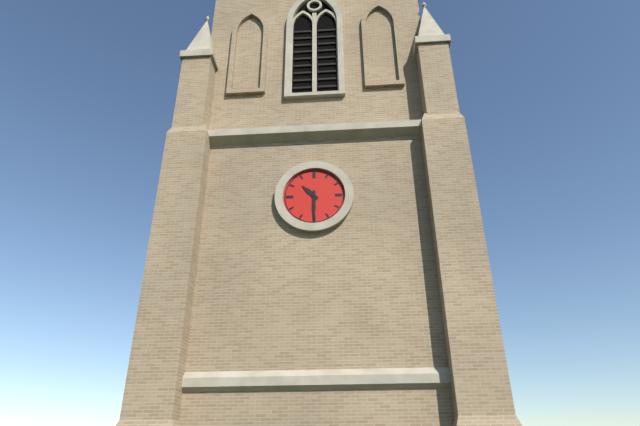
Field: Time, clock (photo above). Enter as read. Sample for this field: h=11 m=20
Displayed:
h=10 m=30
